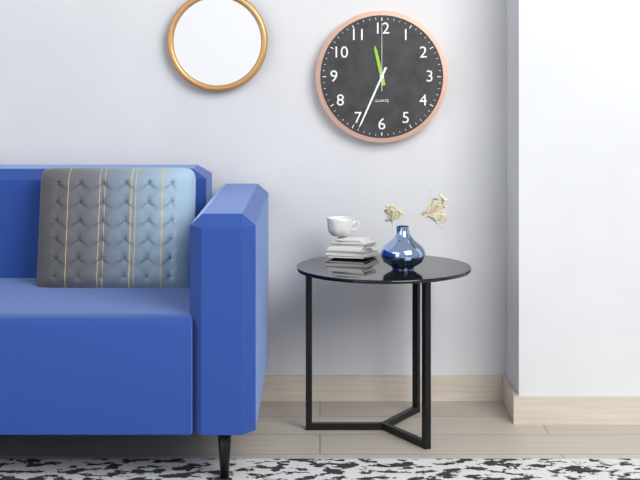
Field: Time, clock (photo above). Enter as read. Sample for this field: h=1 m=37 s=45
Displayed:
h=11 m=34 s=0
